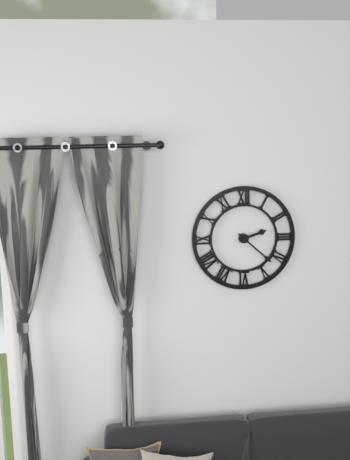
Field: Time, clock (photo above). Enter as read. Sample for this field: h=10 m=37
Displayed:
h=2 m=22
